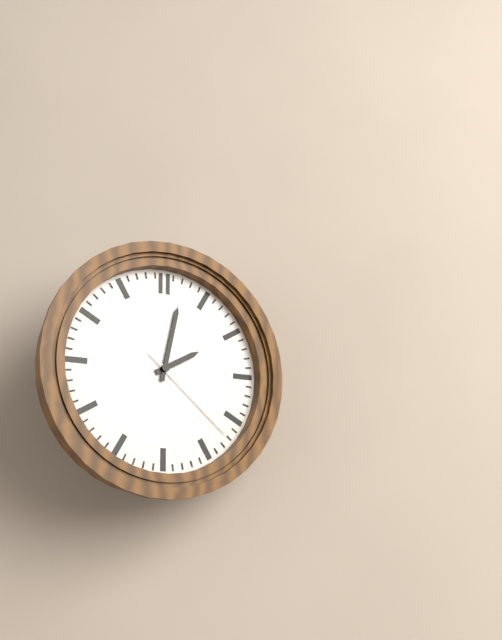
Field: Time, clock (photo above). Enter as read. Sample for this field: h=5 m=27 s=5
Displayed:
h=2 m=2 s=22
